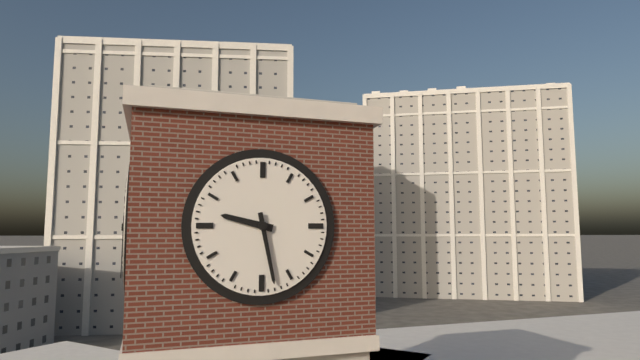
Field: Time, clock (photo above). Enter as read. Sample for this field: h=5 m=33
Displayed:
h=9 m=28
